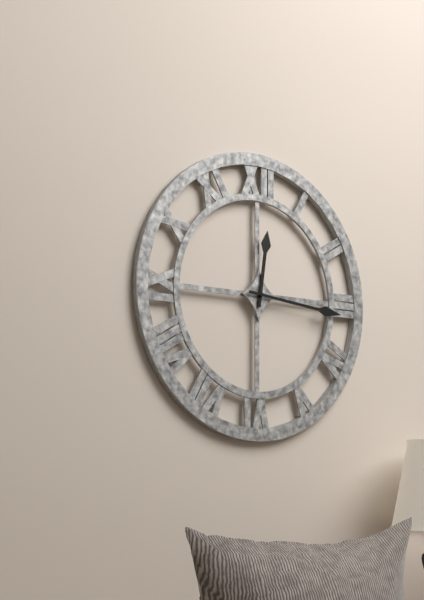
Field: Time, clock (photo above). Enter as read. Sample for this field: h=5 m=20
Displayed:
h=12 m=16
